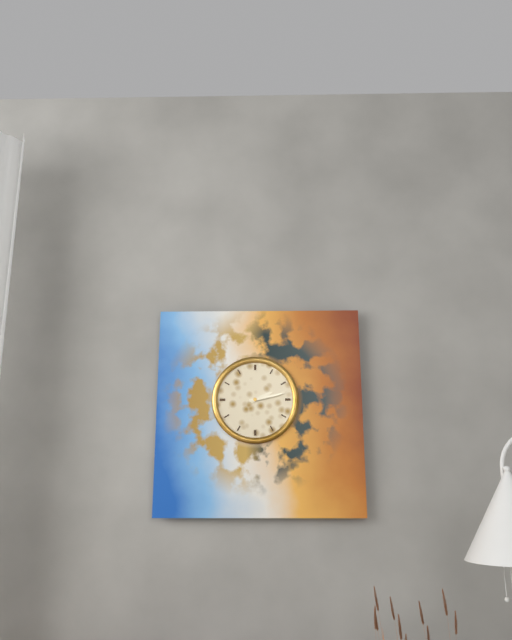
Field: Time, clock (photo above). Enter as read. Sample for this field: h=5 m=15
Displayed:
h=2 m=13
